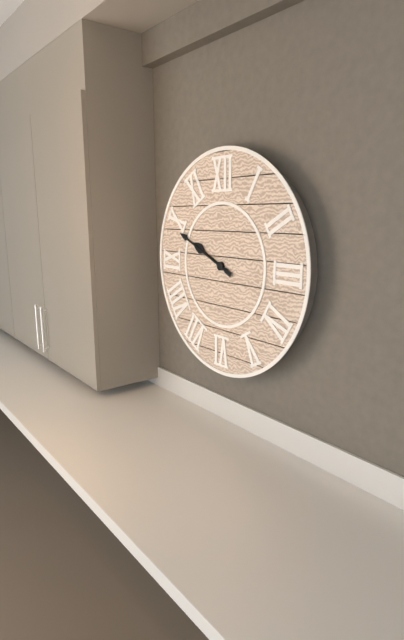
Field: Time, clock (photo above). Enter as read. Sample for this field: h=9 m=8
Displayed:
h=9 m=49
